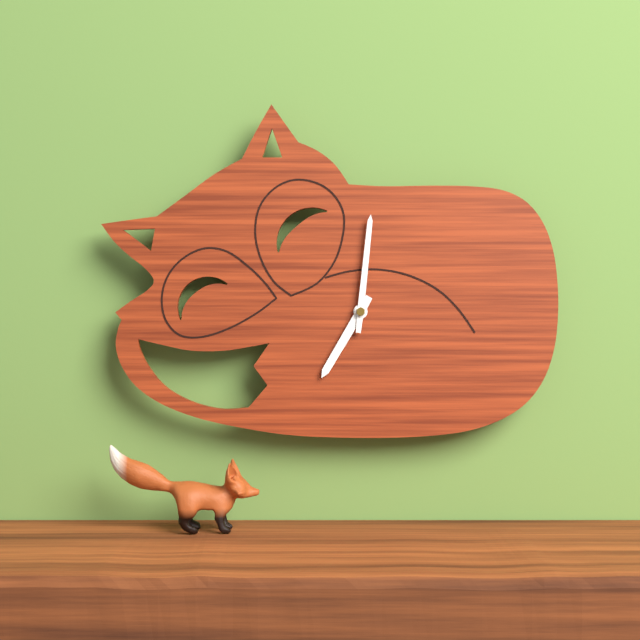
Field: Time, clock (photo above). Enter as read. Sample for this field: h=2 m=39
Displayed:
h=7 m=1
